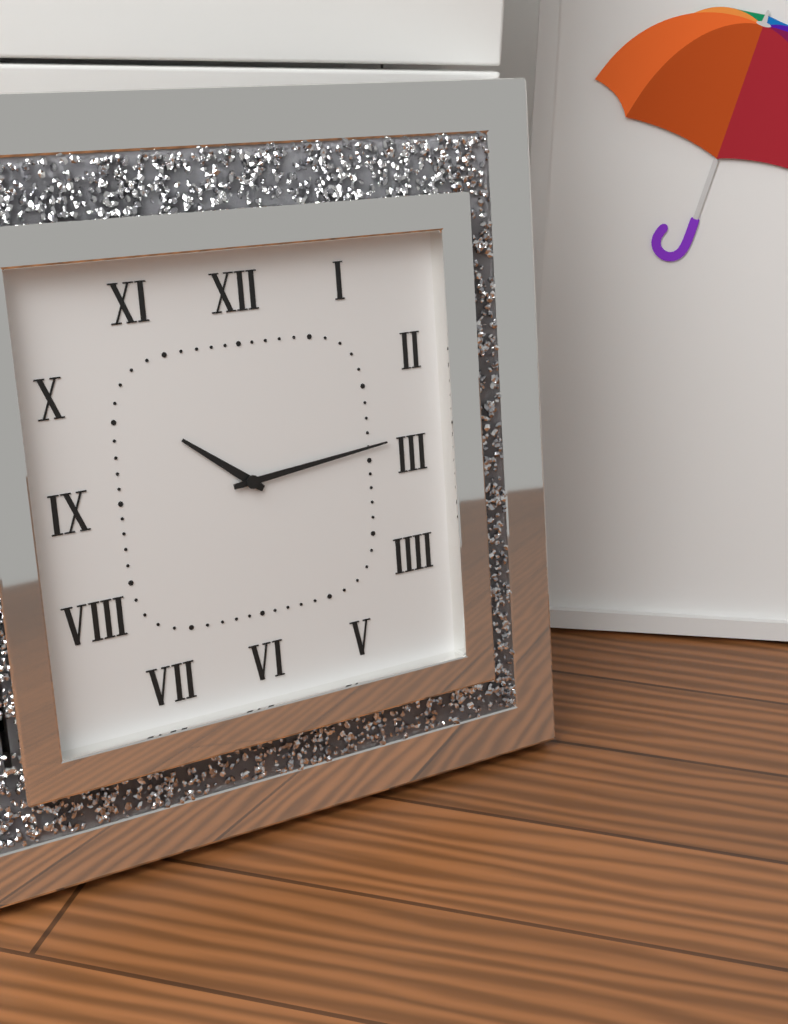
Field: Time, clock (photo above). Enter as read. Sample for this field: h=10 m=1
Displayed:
h=10 m=14
